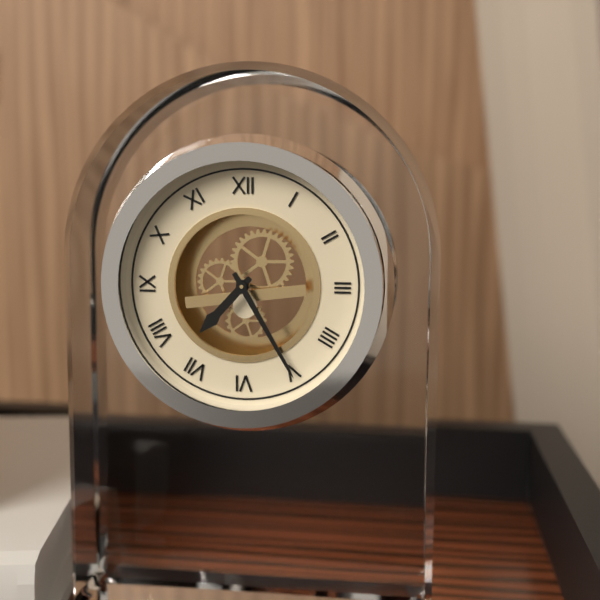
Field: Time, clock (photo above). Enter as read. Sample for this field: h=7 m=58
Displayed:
h=7 m=25
